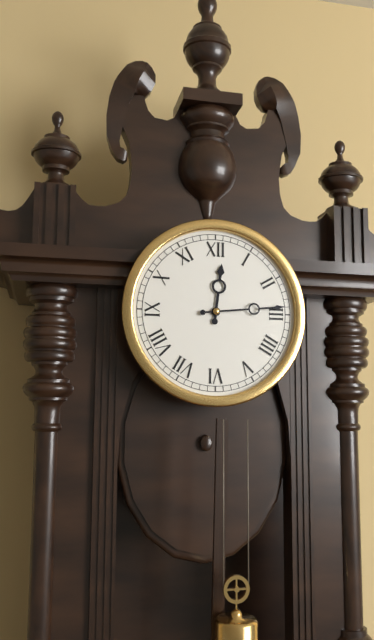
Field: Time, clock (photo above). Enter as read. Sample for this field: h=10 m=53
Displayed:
h=12 m=14
